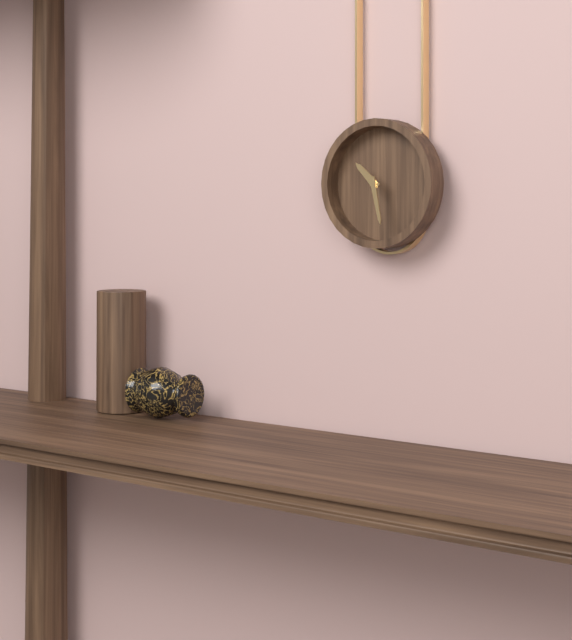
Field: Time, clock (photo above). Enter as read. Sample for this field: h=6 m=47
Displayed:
h=10 m=28
